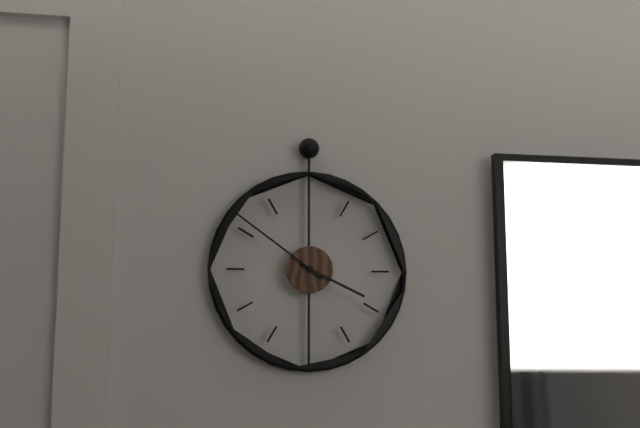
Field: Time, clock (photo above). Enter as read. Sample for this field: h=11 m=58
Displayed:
h=3 m=51
